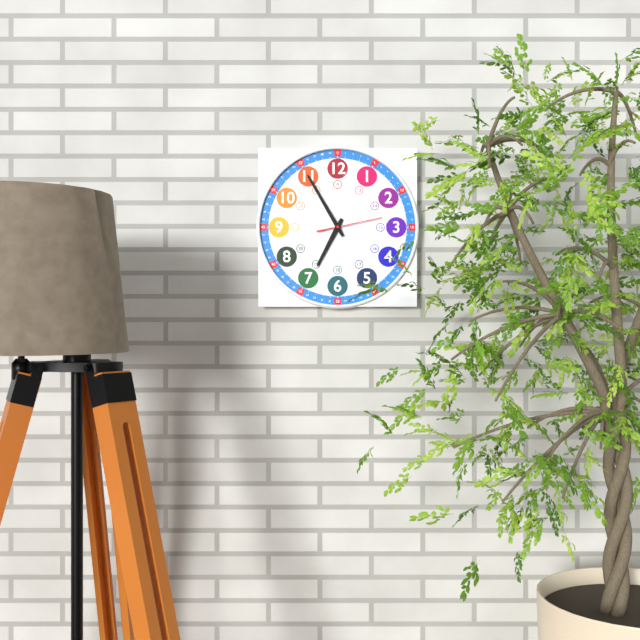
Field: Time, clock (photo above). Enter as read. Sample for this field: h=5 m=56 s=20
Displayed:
h=6 m=55 s=13
